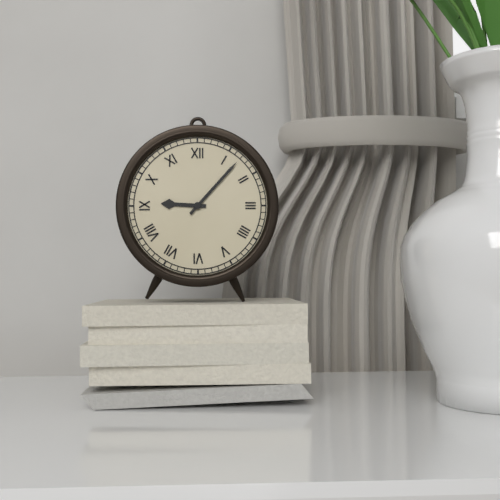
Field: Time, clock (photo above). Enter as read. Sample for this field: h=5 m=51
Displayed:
h=9 m=7
